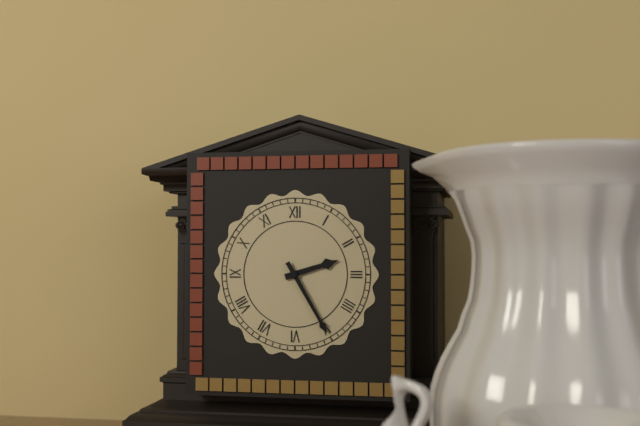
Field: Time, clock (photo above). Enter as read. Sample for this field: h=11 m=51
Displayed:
h=2 m=25
